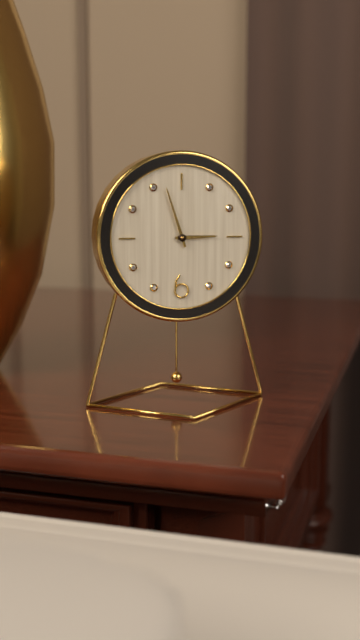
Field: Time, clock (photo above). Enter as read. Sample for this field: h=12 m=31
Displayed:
h=2 m=57
